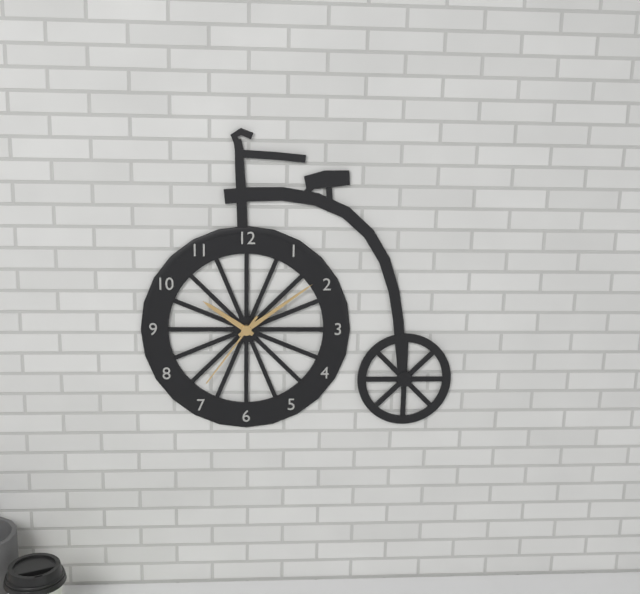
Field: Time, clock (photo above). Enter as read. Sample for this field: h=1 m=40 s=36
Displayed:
h=10 m=9 s=36
